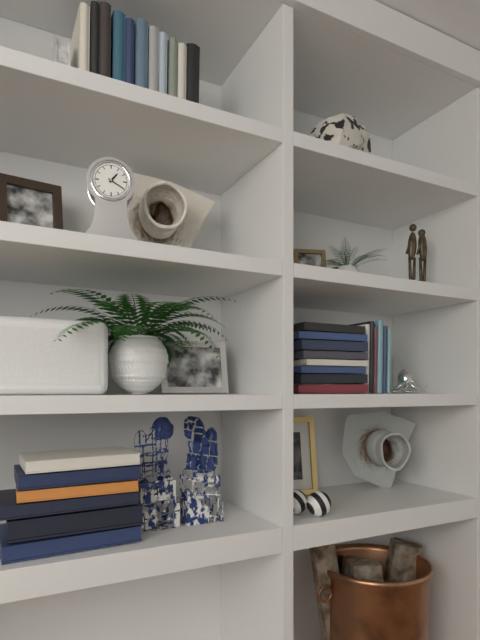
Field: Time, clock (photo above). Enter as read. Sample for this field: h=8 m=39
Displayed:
h=1 m=20
